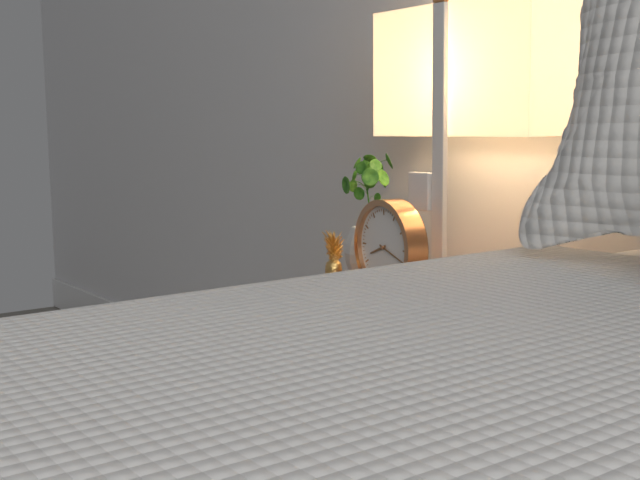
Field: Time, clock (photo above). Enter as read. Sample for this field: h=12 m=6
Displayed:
h=8 m=18
